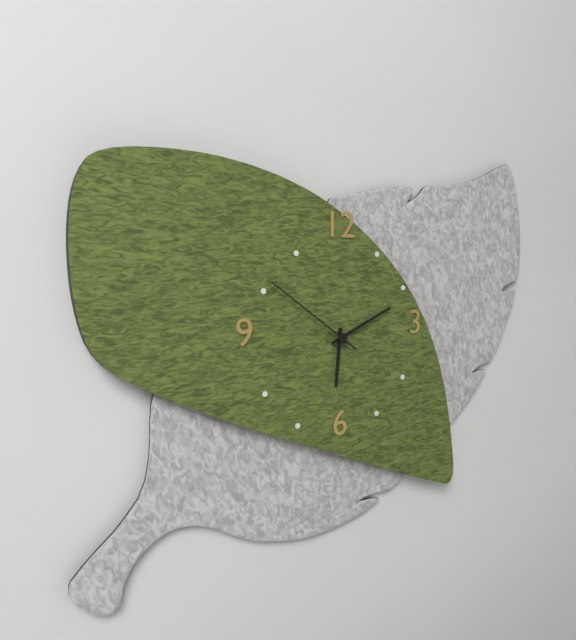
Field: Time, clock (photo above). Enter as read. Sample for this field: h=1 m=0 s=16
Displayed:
h=6 m=11 s=51
